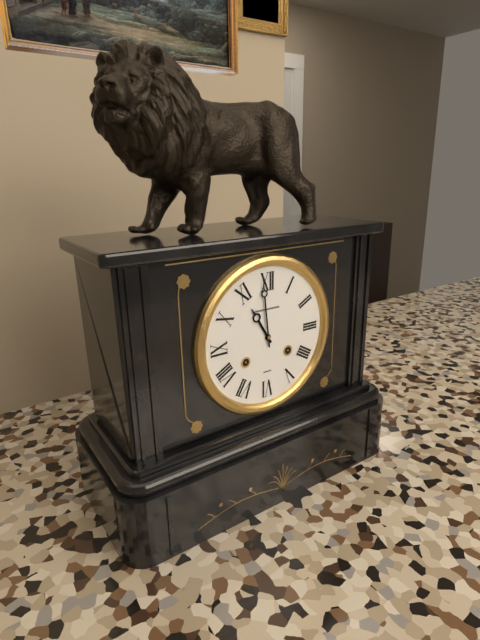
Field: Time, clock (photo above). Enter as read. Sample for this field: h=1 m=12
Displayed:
h=10 m=59
